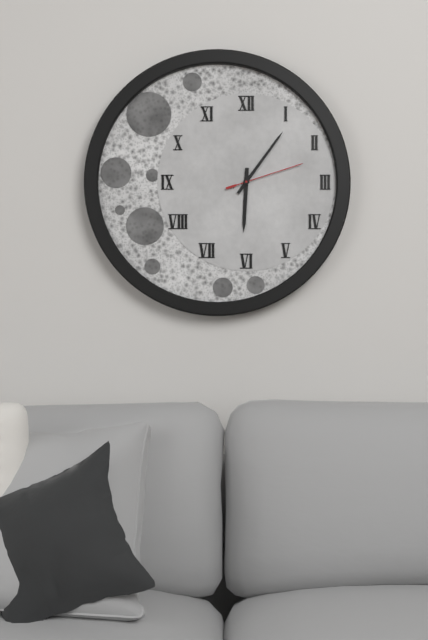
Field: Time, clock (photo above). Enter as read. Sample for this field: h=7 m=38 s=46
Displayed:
h=6 m=6 s=12
